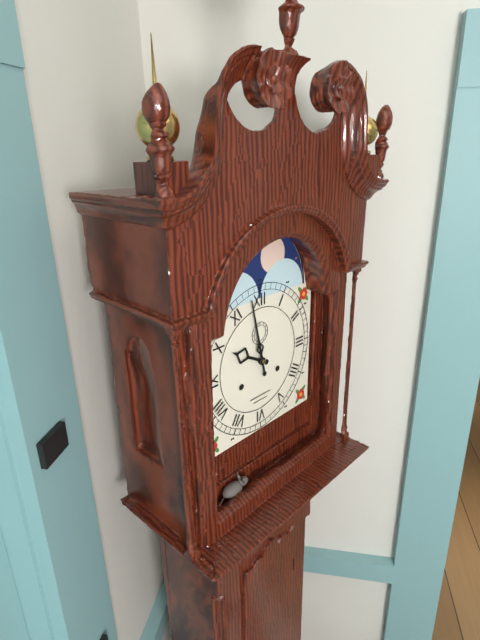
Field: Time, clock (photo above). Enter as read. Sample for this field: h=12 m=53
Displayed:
h=9 m=58
